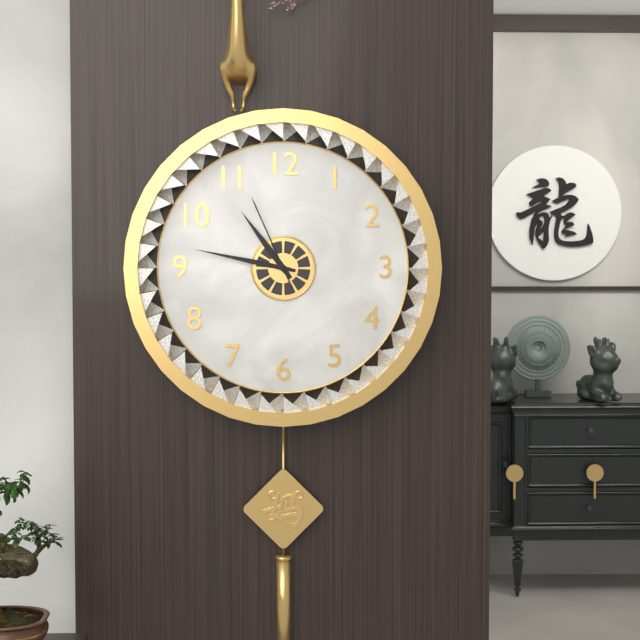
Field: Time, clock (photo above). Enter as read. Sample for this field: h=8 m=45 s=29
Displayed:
h=10 m=47 s=56
